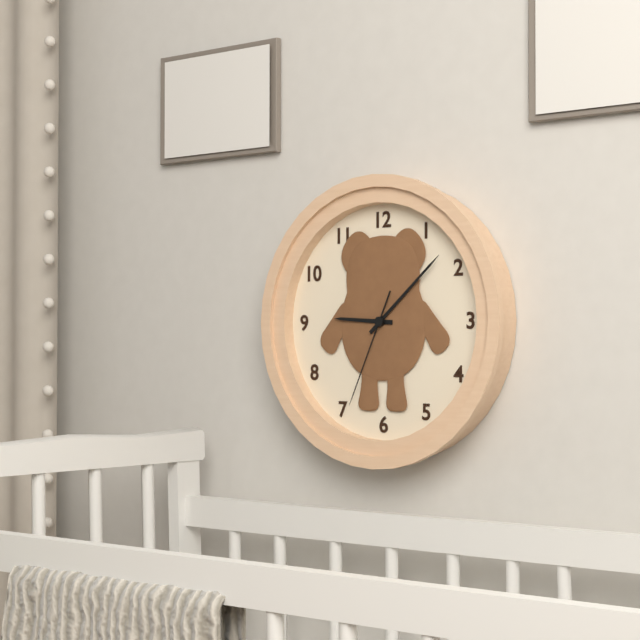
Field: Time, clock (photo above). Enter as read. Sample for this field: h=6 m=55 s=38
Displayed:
h=9 m=8 s=34
